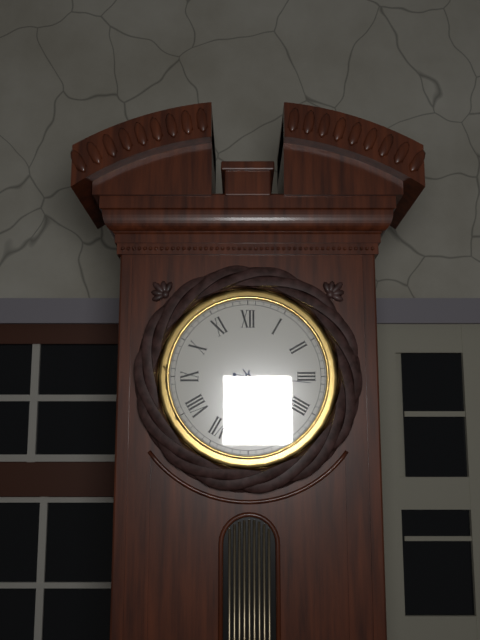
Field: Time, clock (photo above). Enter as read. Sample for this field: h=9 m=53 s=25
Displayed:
h=6 m=24 s=16
